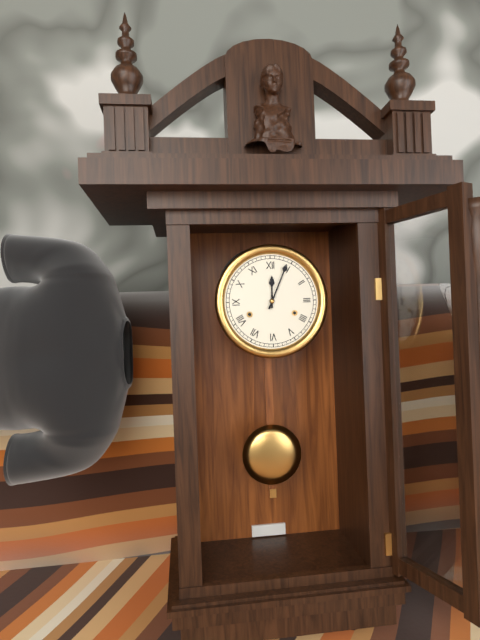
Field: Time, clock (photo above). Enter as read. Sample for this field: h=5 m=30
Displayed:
h=12 m=4
